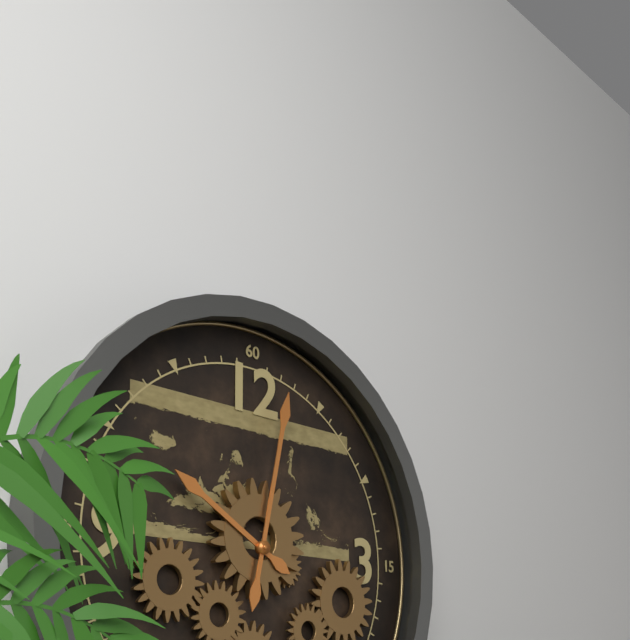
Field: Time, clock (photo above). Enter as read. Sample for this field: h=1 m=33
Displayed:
h=10 m=2
